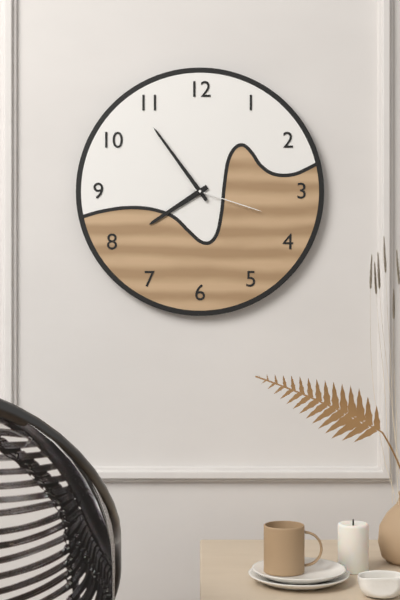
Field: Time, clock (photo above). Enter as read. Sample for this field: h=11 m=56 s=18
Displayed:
h=7 m=54 s=18
